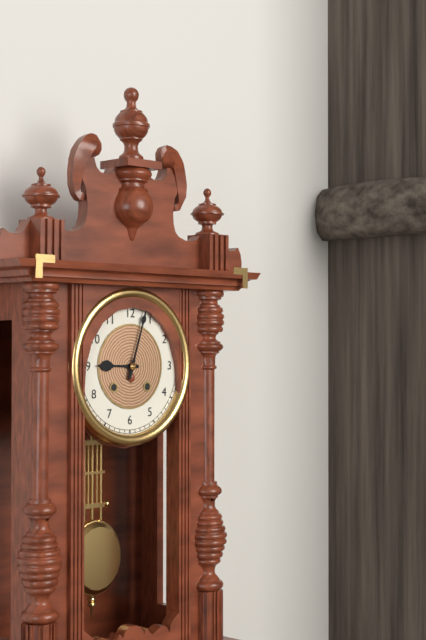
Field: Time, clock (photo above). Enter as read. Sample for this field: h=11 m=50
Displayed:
h=9 m=3
